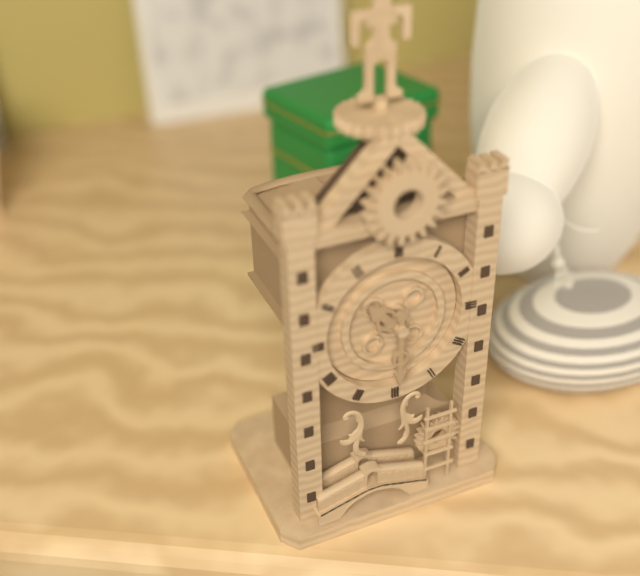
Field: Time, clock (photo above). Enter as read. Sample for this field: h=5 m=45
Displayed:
h=10 m=30
